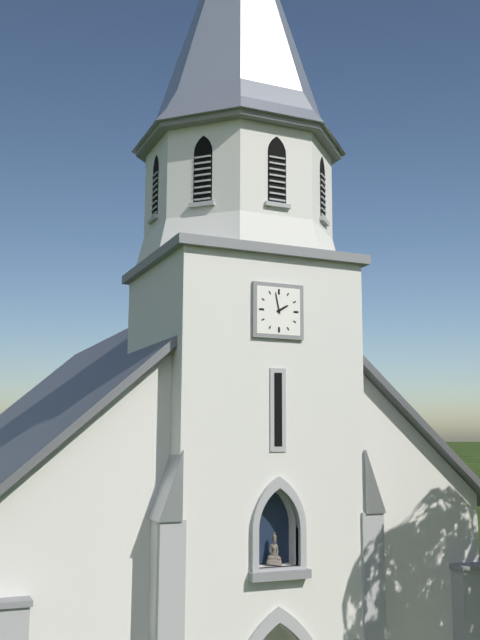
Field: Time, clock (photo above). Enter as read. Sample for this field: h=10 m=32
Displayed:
h=1 m=58
